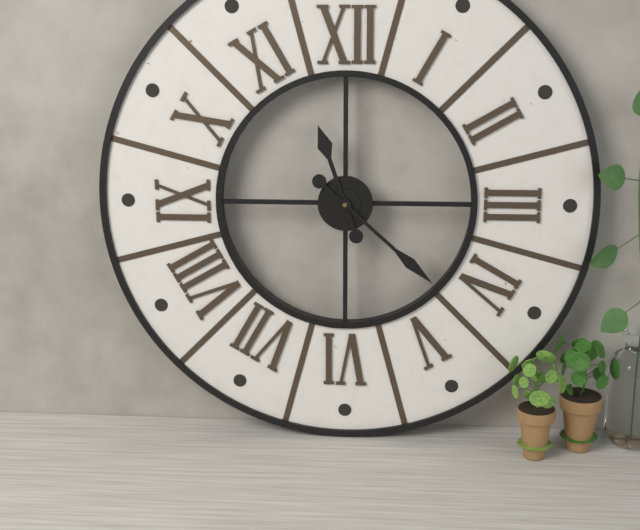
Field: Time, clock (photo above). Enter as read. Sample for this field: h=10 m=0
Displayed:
h=11 m=22
